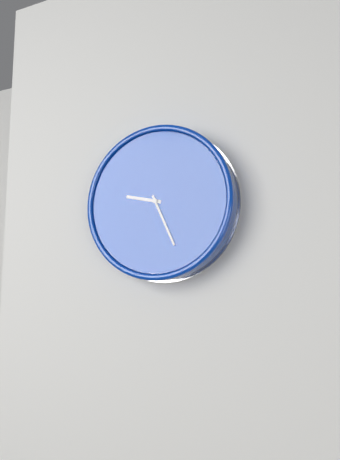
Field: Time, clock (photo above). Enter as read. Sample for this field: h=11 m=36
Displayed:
h=9 m=26
